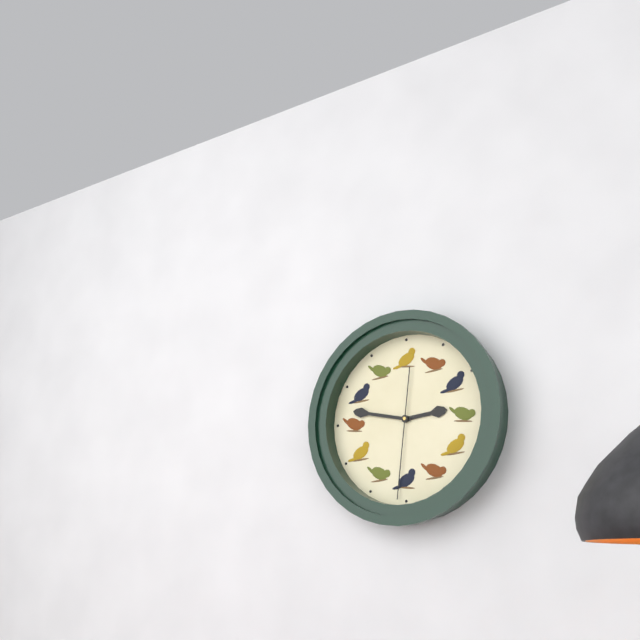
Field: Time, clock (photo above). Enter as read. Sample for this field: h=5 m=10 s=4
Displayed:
h=2 m=47 s=31
